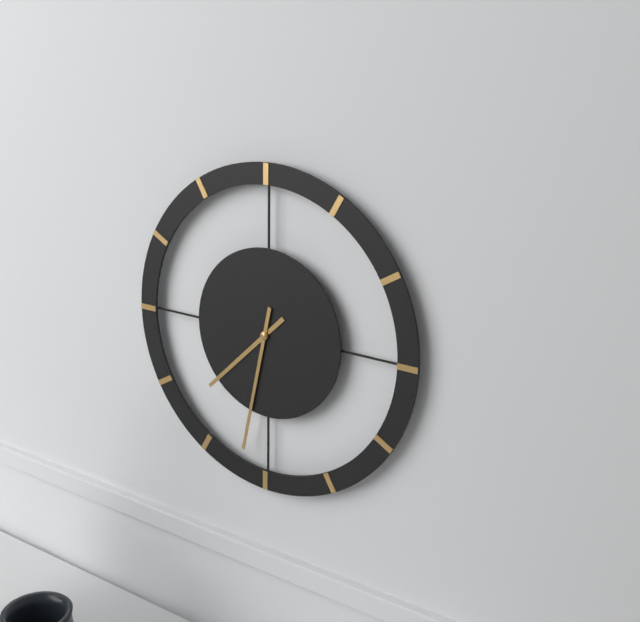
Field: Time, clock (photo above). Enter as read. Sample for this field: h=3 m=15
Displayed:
h=7 m=32
